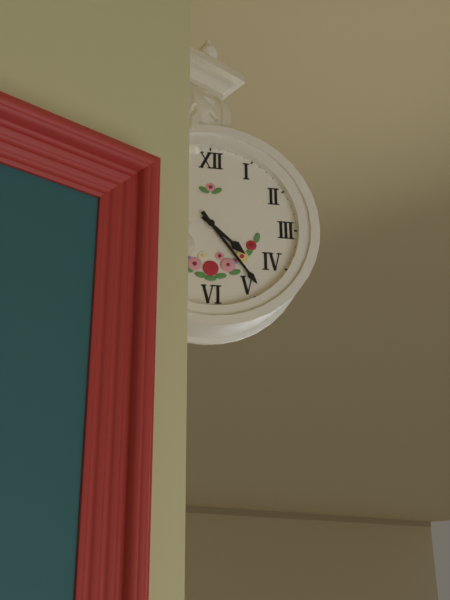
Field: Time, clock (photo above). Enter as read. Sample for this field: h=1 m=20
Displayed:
h=4 m=24
